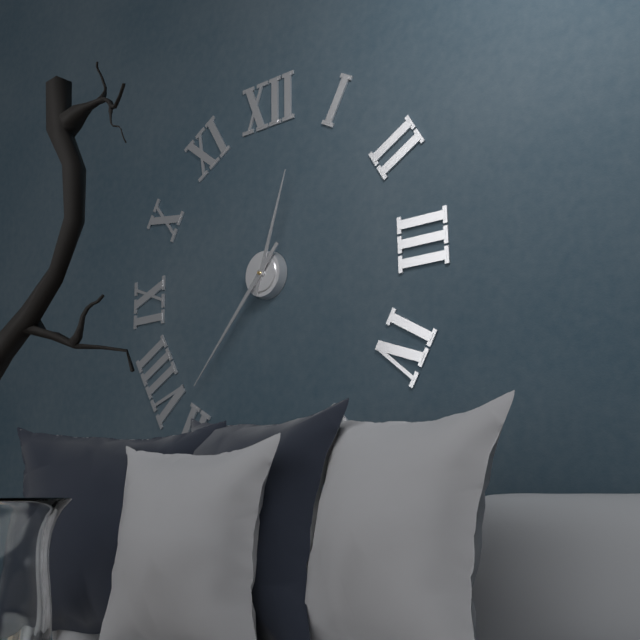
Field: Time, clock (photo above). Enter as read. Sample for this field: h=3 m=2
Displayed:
h=12 m=37
